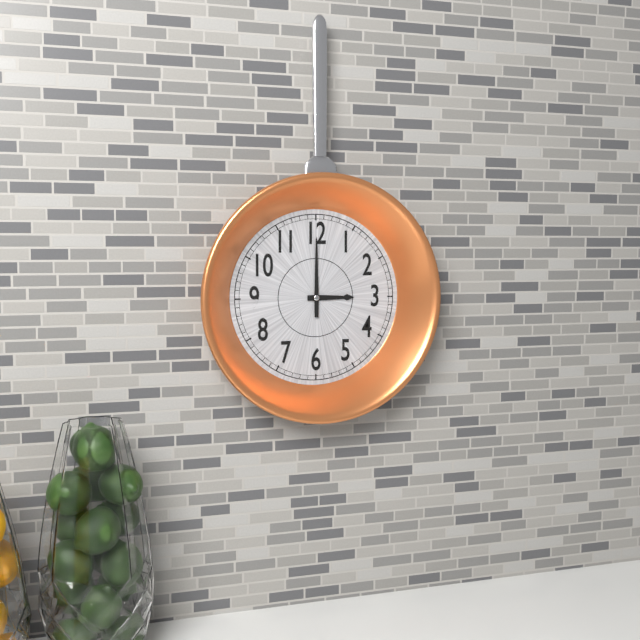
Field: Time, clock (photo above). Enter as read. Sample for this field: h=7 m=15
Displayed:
h=3 m=0
